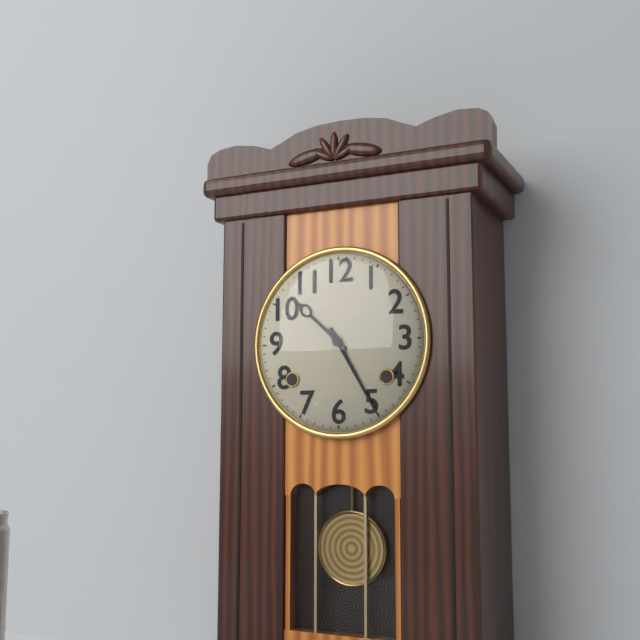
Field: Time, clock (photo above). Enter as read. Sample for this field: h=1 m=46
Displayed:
h=10 m=25
